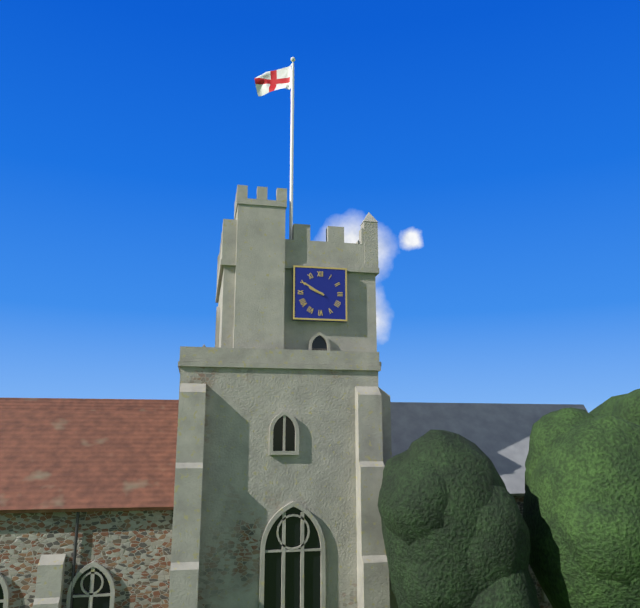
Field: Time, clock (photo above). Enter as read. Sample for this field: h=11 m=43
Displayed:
h=9 m=50
